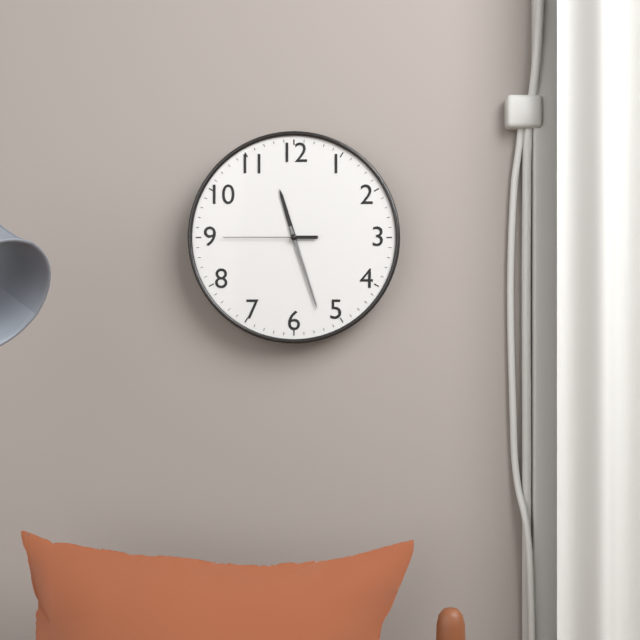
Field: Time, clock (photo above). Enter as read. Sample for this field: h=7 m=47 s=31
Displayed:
h=11 m=27 s=45
